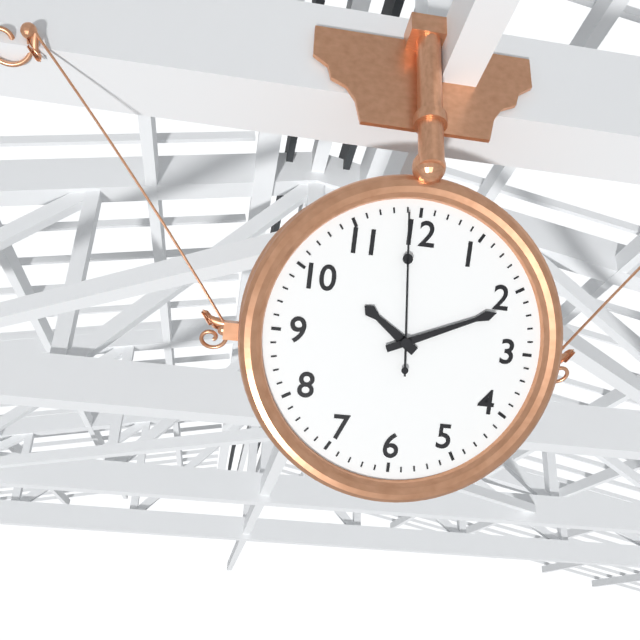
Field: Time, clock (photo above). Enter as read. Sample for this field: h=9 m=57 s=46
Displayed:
h=10 m=11 s=59
